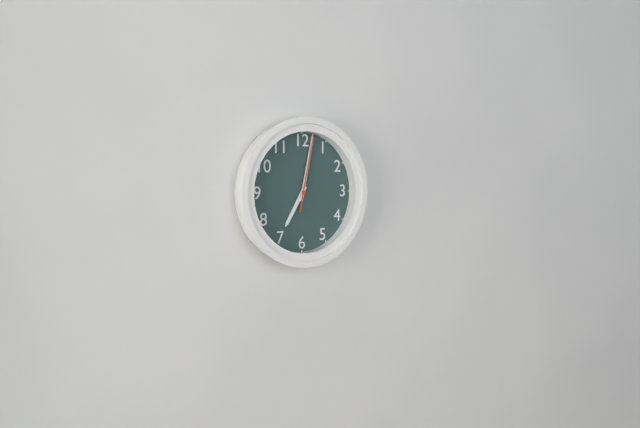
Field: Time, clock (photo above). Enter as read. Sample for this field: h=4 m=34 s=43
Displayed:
h=7 m=2 s=2
